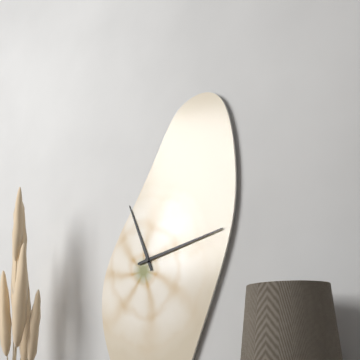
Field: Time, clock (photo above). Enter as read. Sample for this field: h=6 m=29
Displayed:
h=11 m=13
